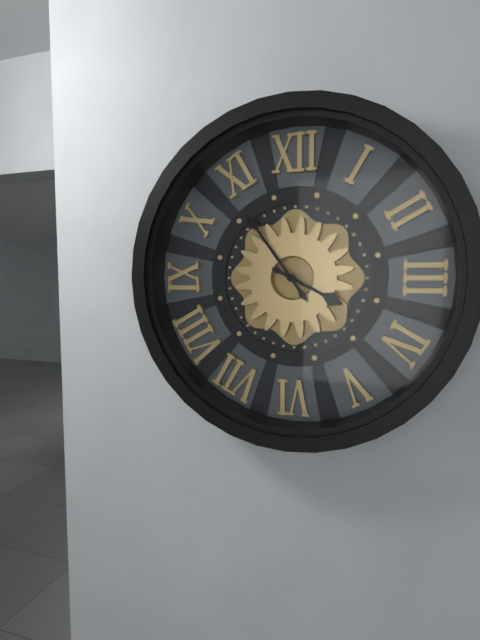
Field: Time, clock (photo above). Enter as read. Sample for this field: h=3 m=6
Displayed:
h=3 m=54
